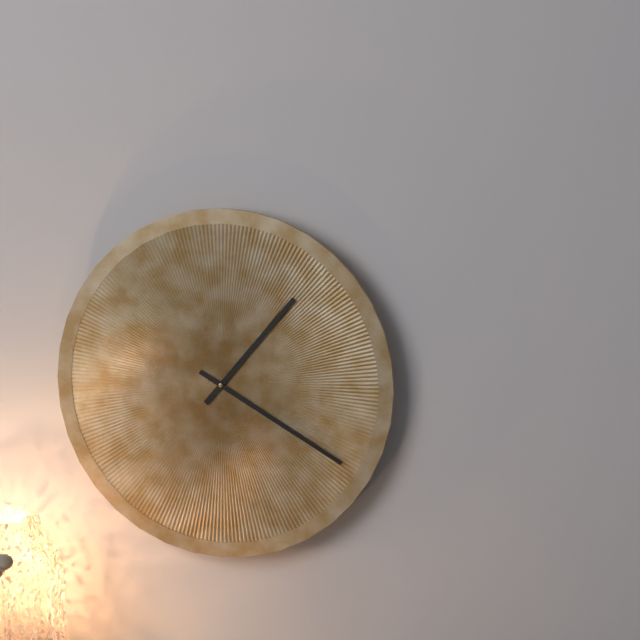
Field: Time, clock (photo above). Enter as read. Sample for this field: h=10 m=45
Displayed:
h=1 m=20
